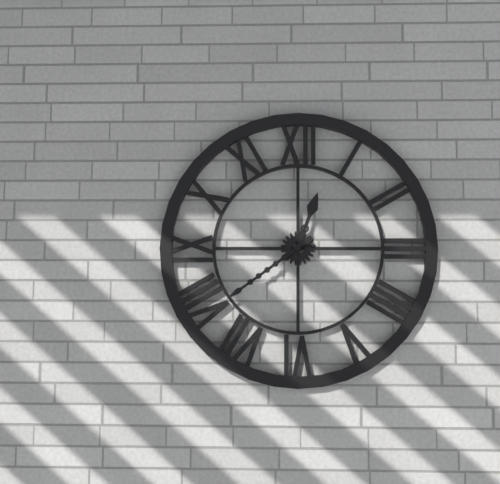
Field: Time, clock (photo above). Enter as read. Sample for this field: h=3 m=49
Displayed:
h=12 m=39
